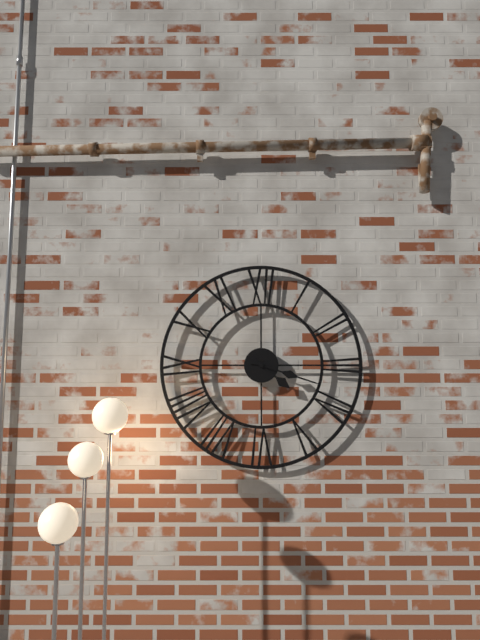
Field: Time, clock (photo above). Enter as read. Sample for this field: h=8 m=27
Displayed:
h=4 m=18
